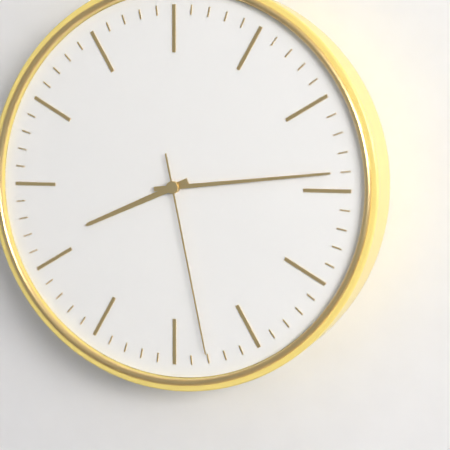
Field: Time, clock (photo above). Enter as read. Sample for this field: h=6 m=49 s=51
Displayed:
h=8 m=14 s=28
